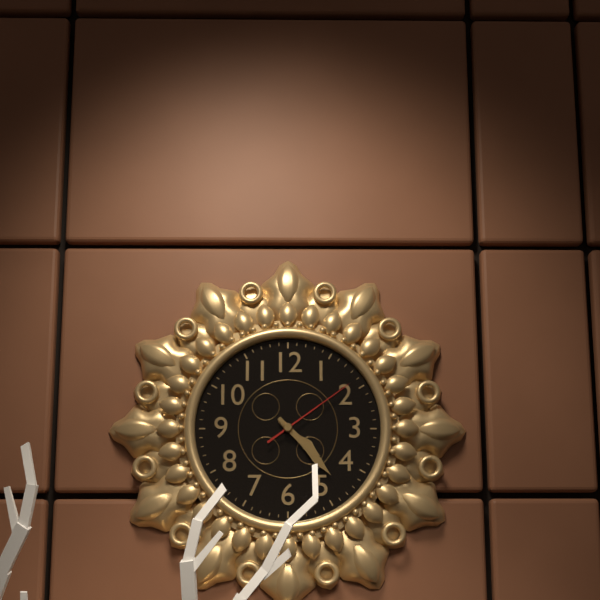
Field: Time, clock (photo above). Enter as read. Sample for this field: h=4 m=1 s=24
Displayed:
h=4 m=23 s=9
